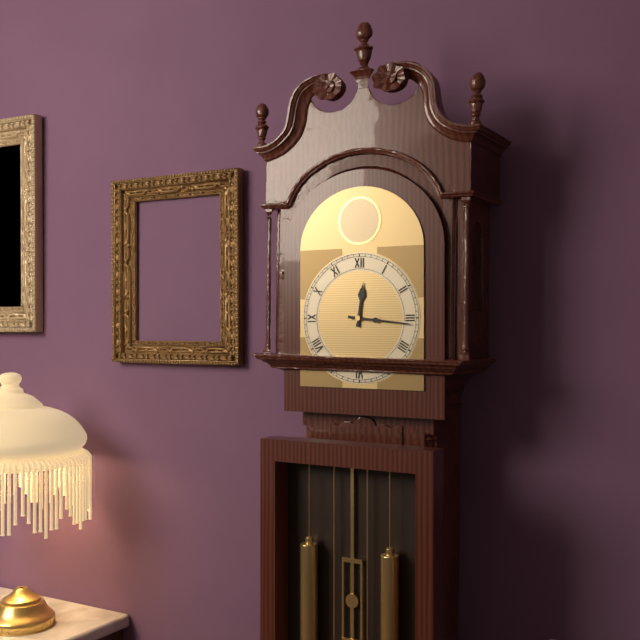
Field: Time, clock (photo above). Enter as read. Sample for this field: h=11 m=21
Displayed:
h=12 m=16
